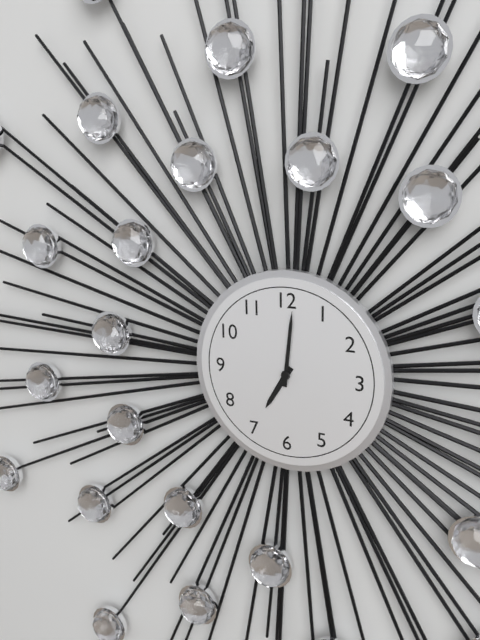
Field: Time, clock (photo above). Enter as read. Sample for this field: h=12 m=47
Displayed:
h=7 m=1
